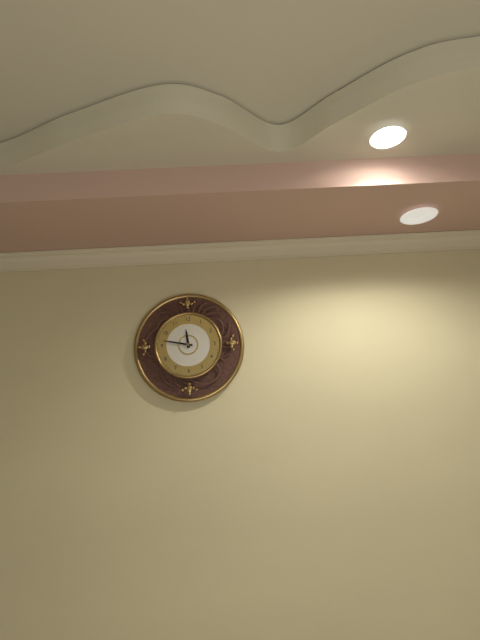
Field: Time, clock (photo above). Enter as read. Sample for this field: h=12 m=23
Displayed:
h=11 m=47
